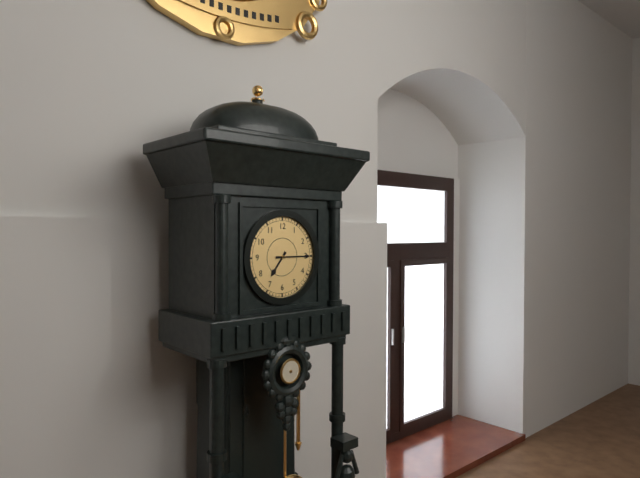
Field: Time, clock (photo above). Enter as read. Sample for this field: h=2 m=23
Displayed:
h=7 m=15
